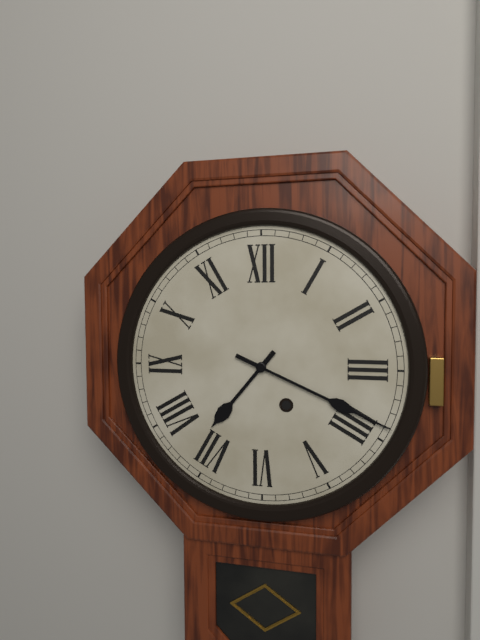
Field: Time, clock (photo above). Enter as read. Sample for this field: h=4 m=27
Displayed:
h=7 m=19
